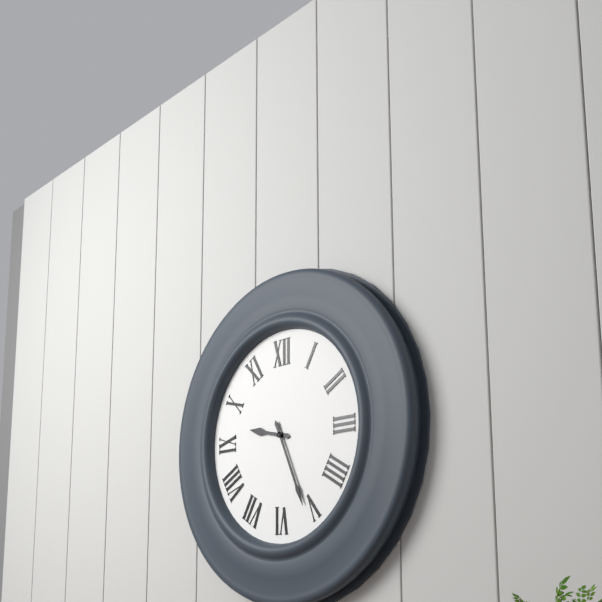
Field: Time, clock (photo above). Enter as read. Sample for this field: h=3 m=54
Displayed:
h=9 m=26
